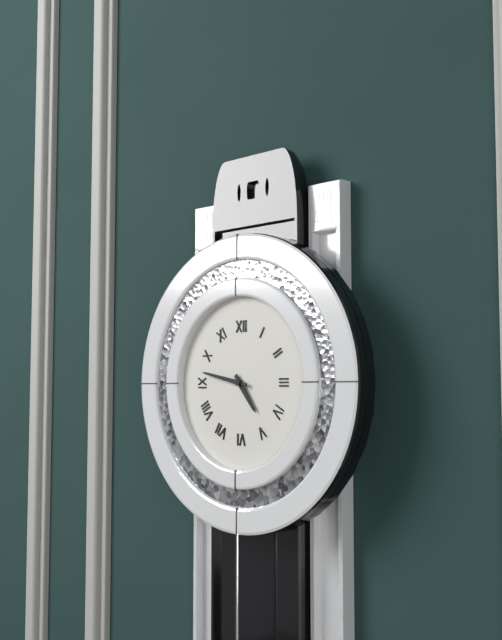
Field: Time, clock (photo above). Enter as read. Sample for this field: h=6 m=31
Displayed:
h=4 m=47
